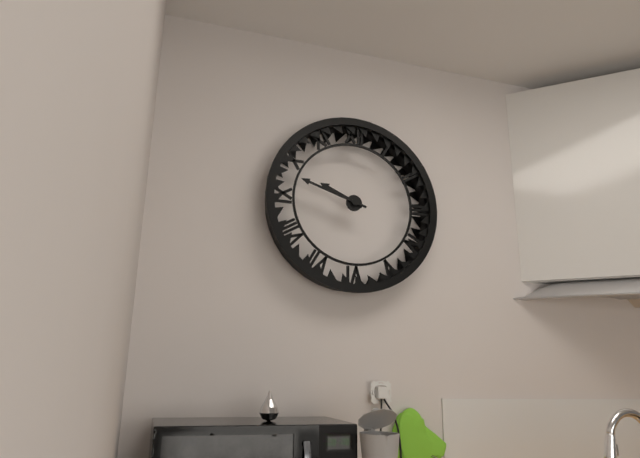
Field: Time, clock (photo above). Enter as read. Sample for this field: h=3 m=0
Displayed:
h=9 m=48
